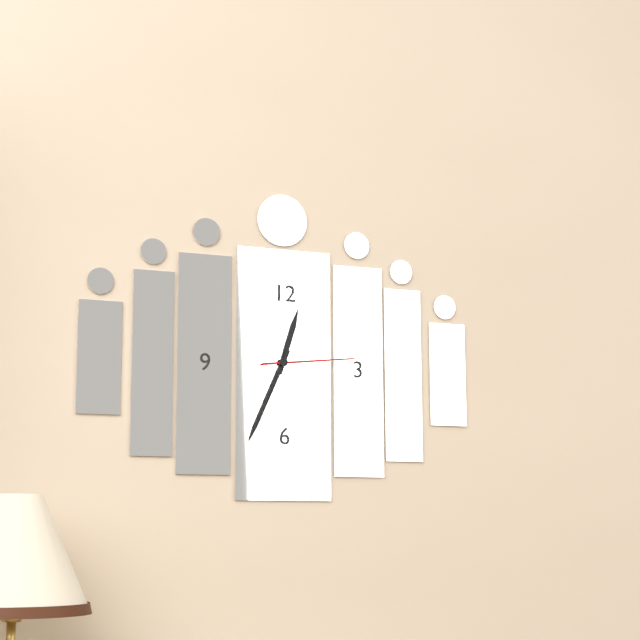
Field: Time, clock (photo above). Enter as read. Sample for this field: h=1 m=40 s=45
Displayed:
h=12 m=34 s=14
